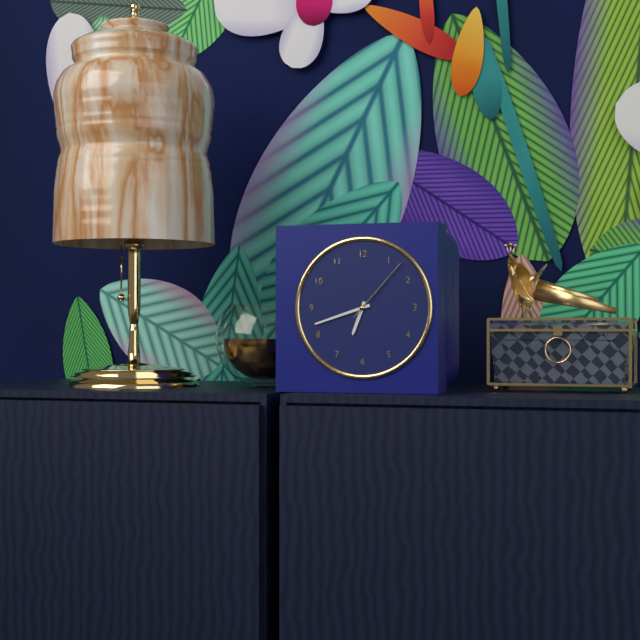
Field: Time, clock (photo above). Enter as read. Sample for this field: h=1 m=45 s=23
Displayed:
h=6 m=42 s=7
